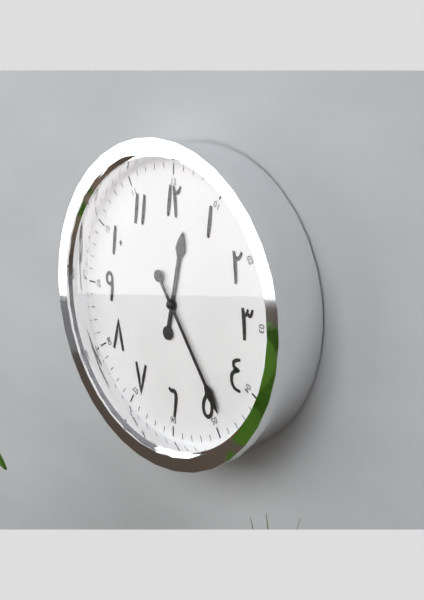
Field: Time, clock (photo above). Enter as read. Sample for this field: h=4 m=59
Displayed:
h=12 m=24
